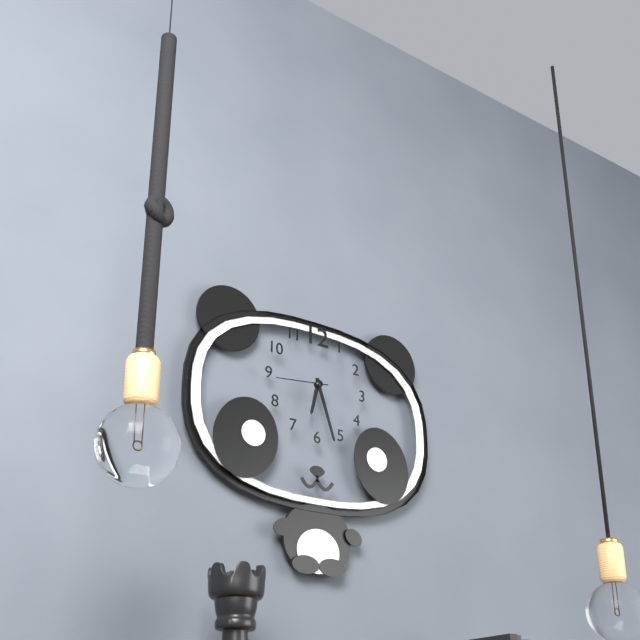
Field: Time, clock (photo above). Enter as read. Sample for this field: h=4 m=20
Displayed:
h=6 m=27
